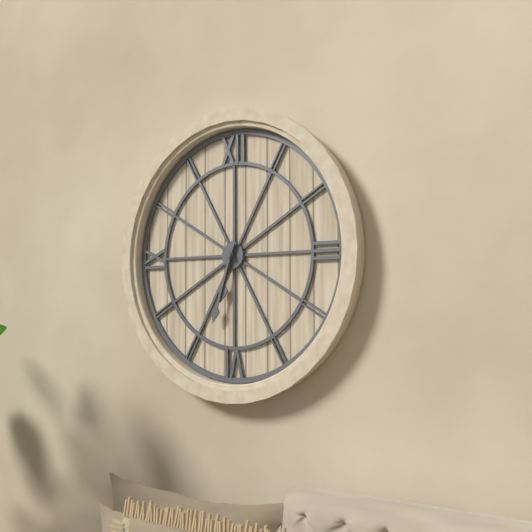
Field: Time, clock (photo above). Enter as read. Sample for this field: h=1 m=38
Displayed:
h=6 m=33
